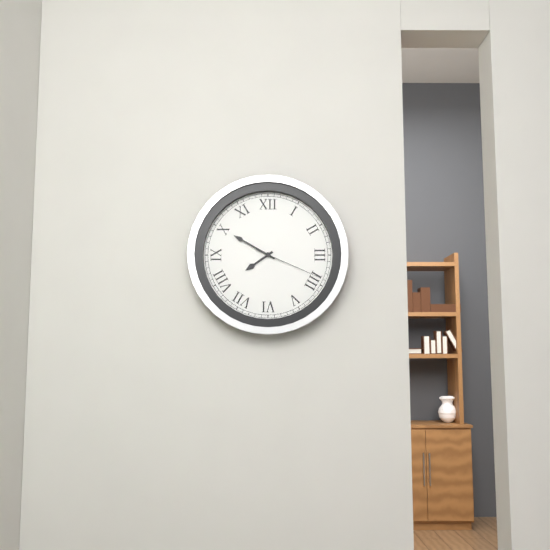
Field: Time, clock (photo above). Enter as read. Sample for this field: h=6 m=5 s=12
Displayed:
h=7 m=50 s=19
